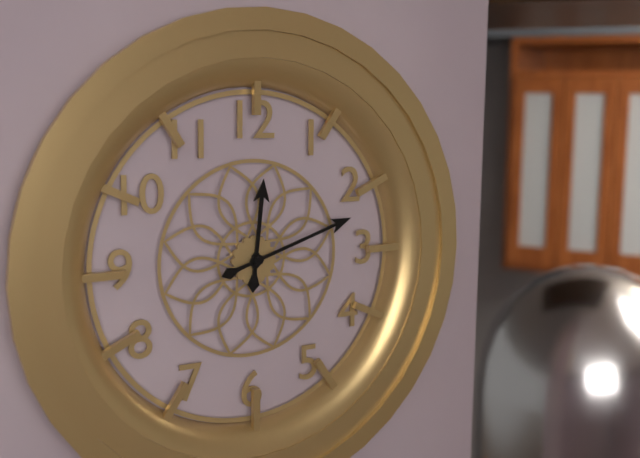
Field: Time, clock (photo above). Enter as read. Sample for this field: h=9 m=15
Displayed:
h=12 m=12
